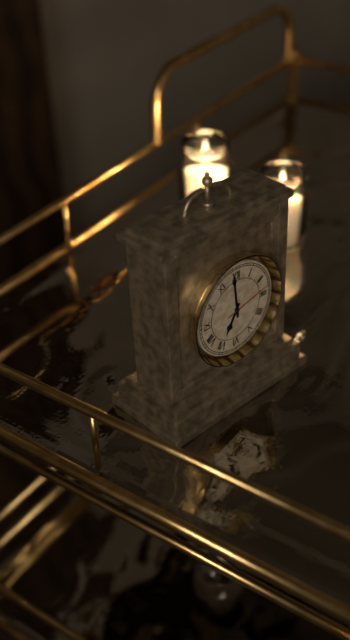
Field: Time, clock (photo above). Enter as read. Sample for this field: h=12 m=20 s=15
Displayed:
h=6 m=59 s=13
